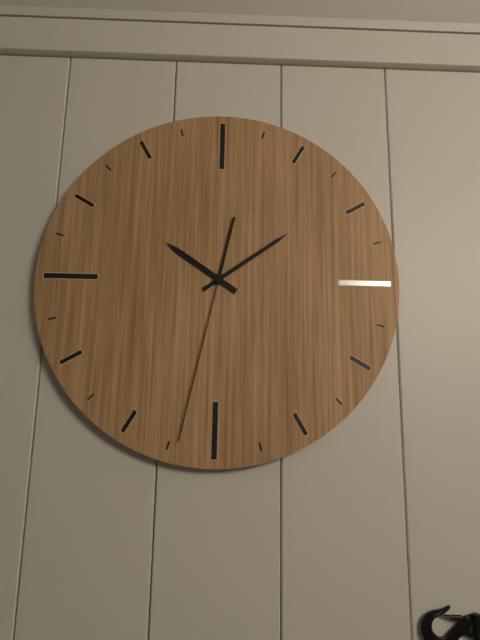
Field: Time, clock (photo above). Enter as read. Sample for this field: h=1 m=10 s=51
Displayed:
h=10 m=9 s=32
